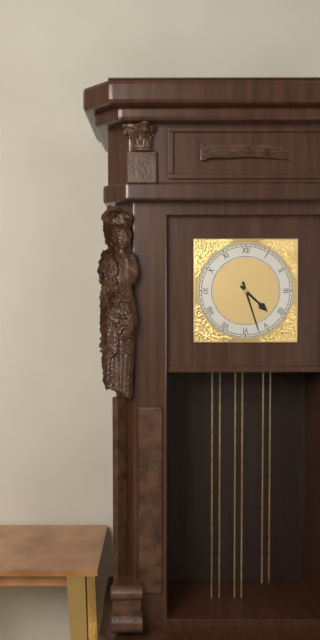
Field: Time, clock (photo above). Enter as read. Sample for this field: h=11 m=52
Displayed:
h=4 m=27
